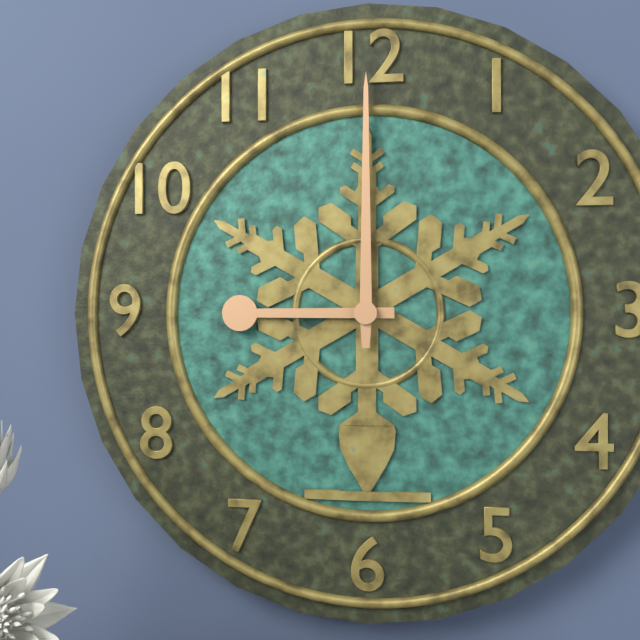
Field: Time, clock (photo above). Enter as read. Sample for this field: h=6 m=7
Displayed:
h=9 m=0
